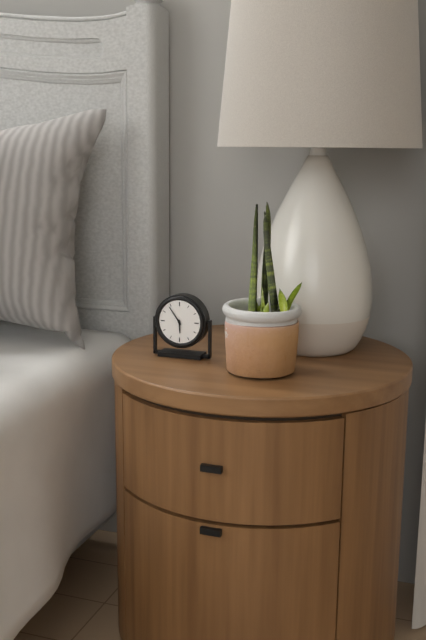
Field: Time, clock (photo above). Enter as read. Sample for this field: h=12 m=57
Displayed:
h=5 m=54
